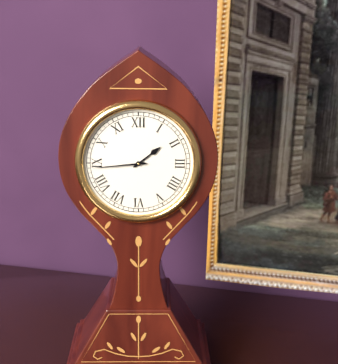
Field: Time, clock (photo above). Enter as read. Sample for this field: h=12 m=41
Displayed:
h=1 m=44
